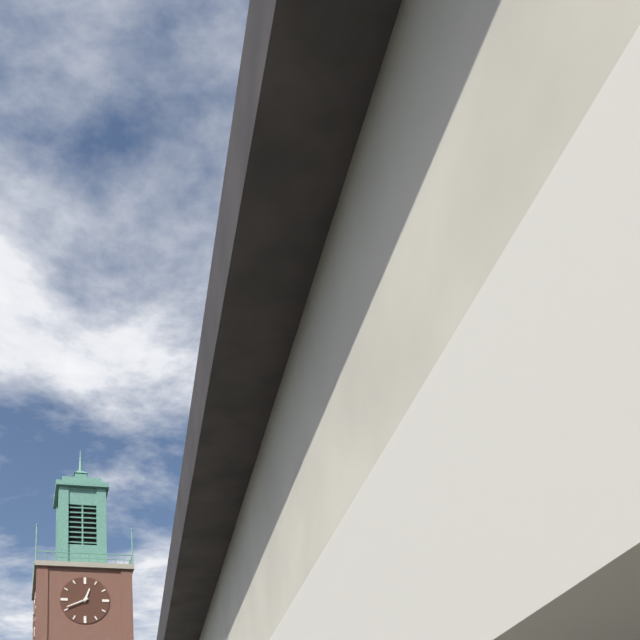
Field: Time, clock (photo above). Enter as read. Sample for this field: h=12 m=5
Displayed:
h=12 m=41
